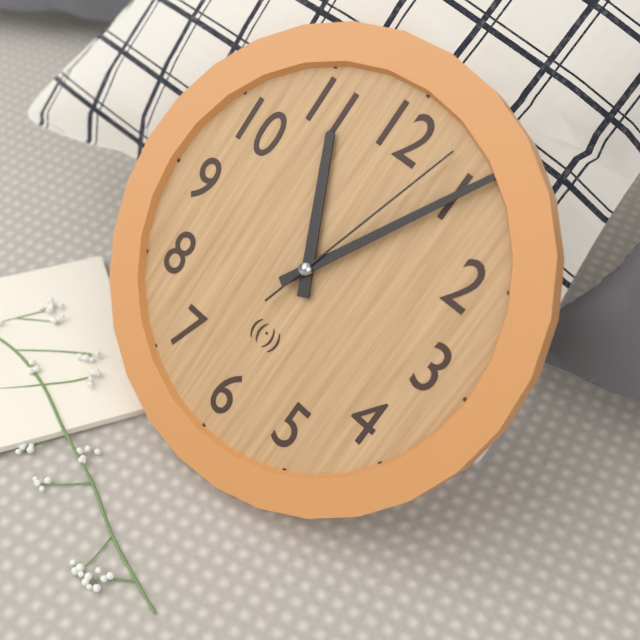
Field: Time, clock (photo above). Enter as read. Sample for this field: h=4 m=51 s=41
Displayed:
h=11 m=5 s=3
